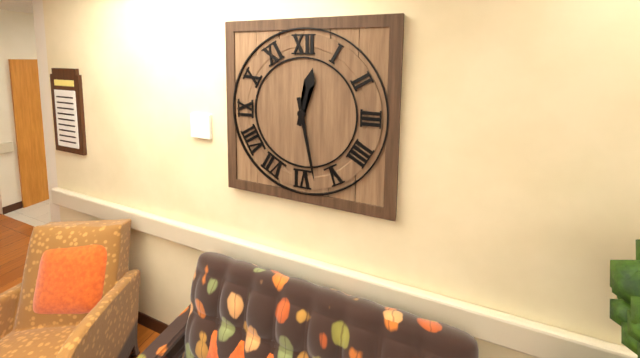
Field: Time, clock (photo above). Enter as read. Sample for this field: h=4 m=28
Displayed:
h=12 m=28
